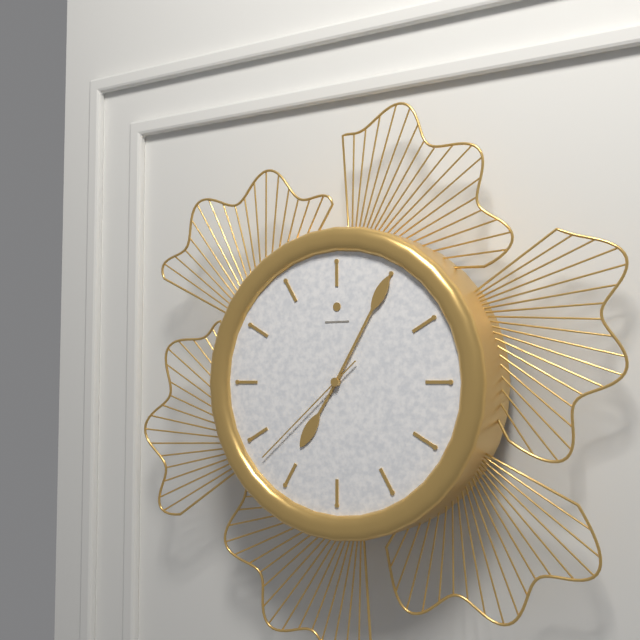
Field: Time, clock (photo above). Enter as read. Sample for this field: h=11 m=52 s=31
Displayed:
h=7 m=5 s=38
